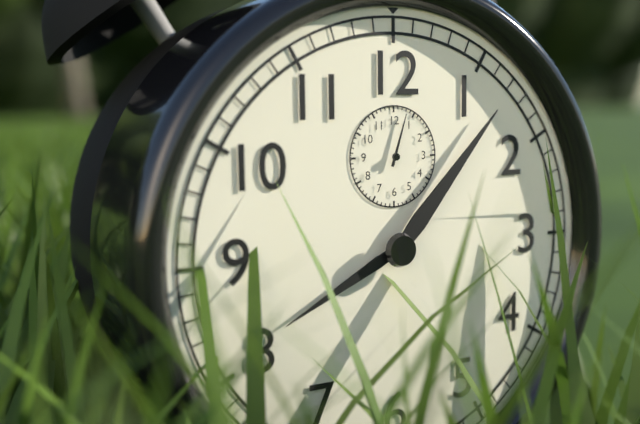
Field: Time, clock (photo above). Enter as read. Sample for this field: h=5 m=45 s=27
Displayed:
h=8 m=7 s=3
